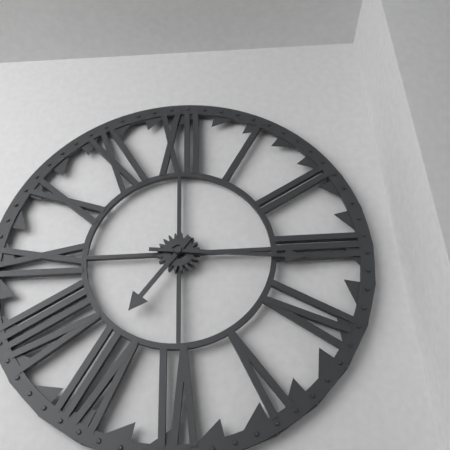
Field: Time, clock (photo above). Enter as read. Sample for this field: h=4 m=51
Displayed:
h=7 m=16
